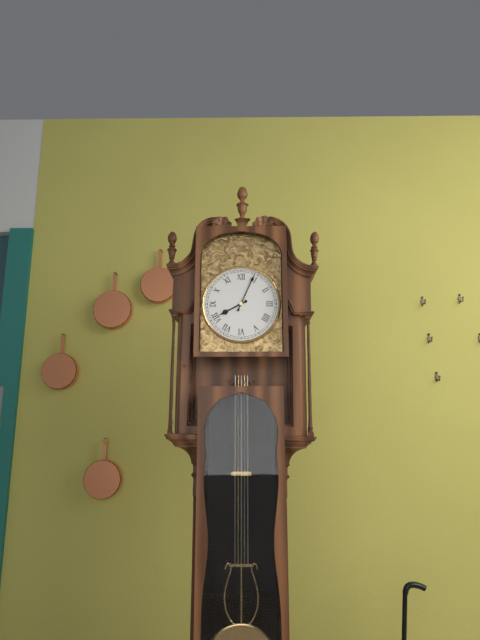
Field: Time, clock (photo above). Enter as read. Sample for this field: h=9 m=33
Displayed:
h=8 m=4
